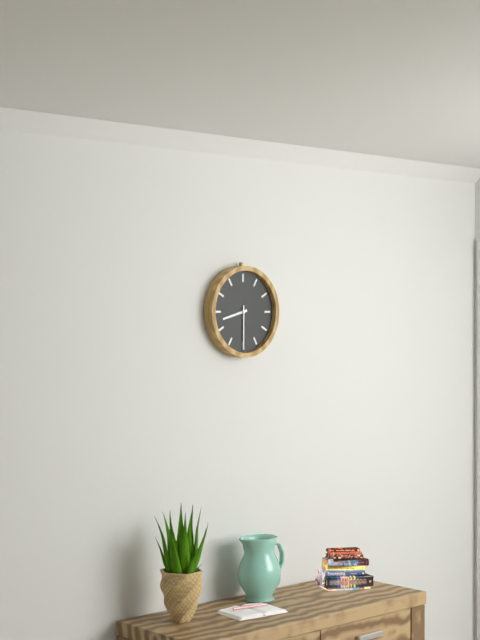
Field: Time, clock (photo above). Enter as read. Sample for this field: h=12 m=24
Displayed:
h=8 m=30
